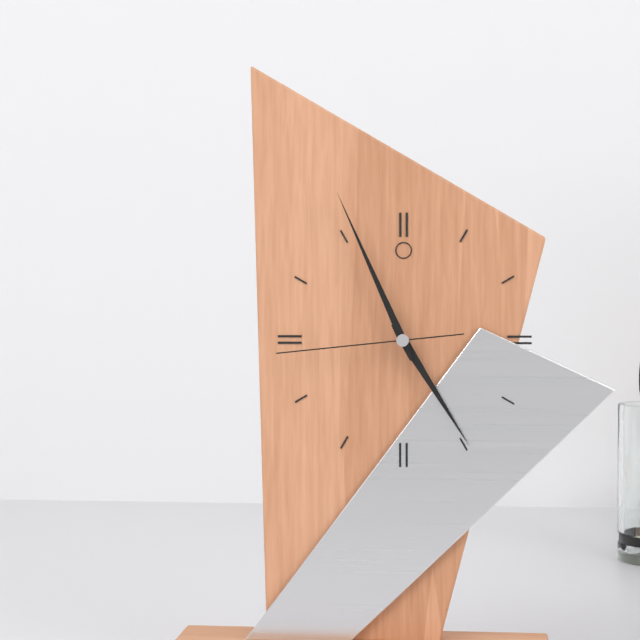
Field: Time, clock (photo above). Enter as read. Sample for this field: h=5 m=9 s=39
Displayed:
h=4 m=56 s=44
